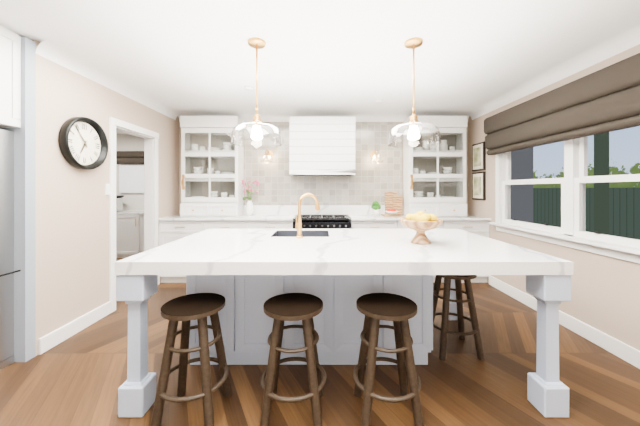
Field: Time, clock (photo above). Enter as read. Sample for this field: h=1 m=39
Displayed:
h=6 m=54
